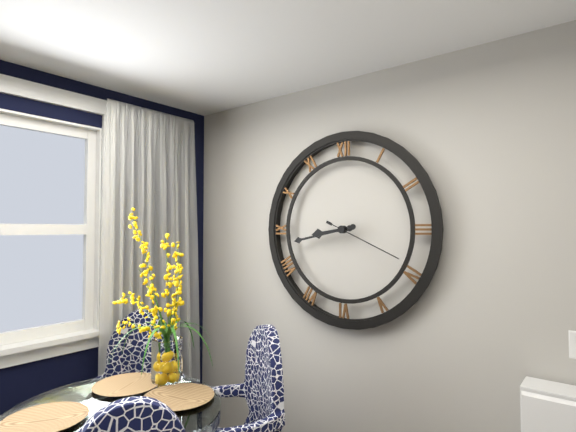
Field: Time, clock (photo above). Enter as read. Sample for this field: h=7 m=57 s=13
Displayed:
h=8 m=43 s=19
